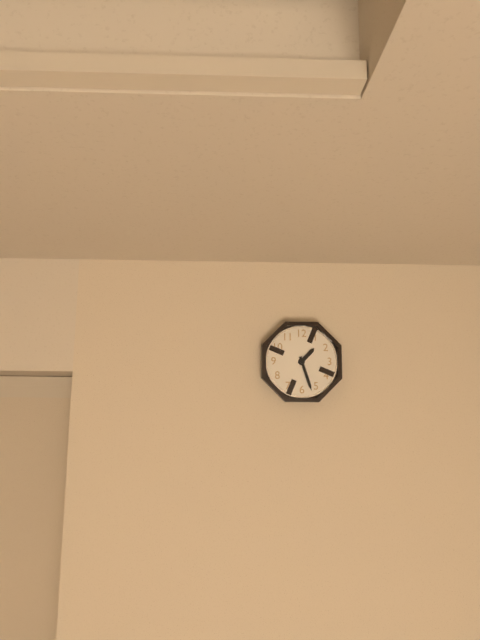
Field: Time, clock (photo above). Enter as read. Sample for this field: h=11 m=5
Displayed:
h=1 m=27
